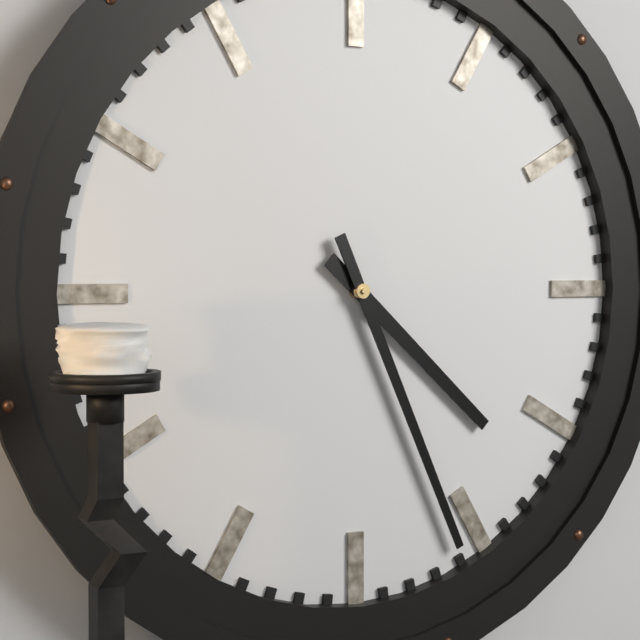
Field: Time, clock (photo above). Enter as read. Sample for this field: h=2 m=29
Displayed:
h=4 m=26
